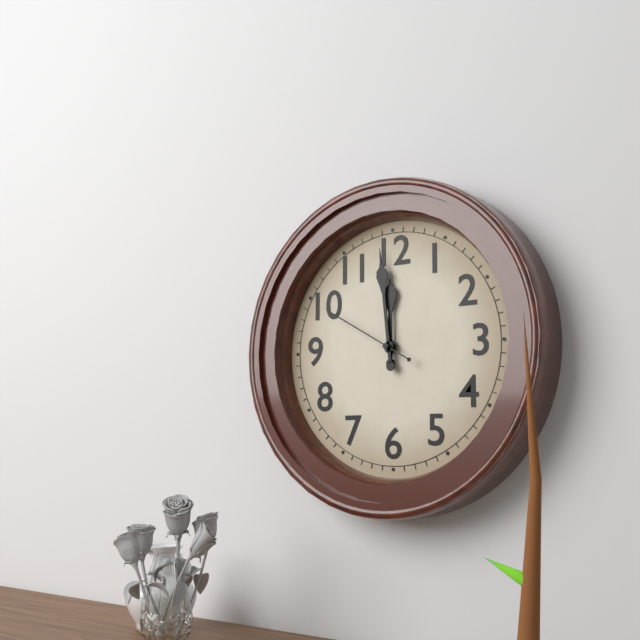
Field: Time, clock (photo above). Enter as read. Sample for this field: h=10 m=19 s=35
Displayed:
h=11 m=59 s=50
